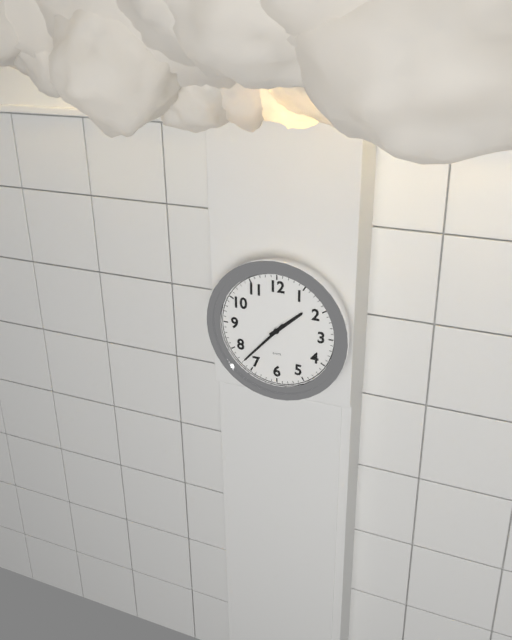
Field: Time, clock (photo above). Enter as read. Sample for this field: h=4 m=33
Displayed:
h=1 m=37
